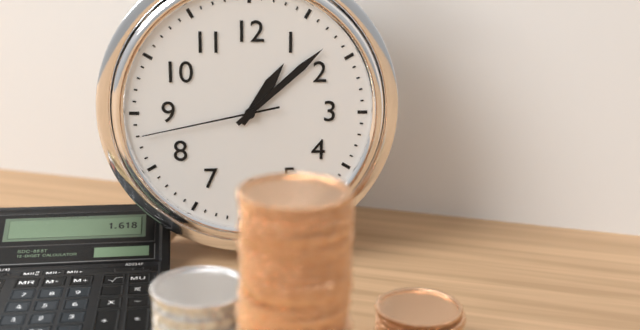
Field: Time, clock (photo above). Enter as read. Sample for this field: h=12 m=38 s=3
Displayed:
h=1 m=8 s=43
